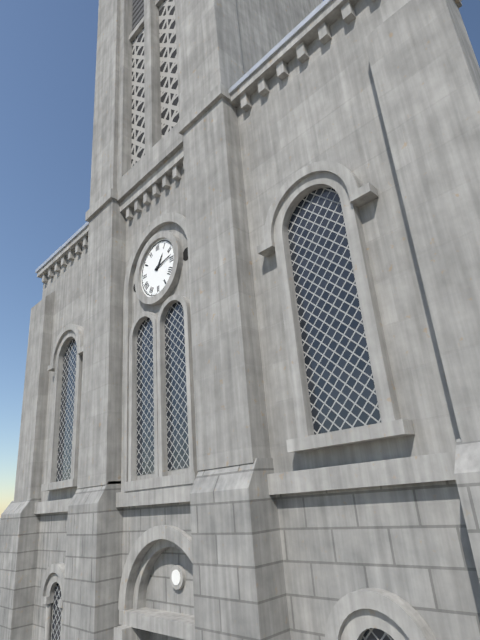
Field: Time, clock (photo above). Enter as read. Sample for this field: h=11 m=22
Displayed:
h=1 m=13
